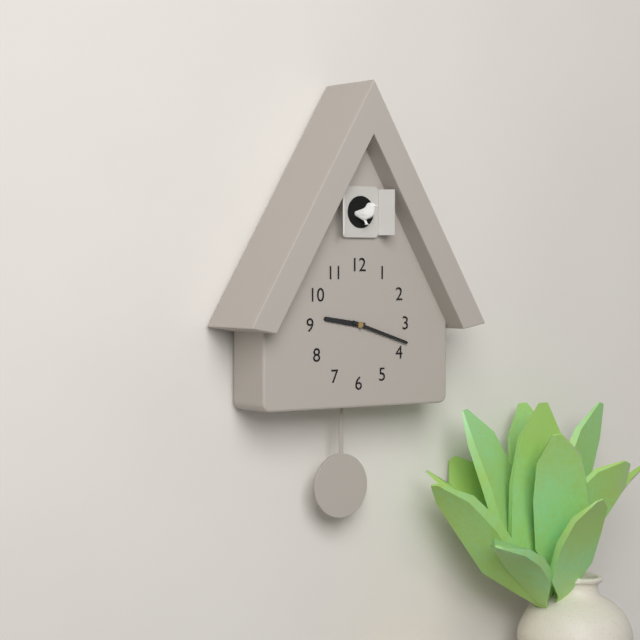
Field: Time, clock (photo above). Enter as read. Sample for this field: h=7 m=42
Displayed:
h=9 m=18
